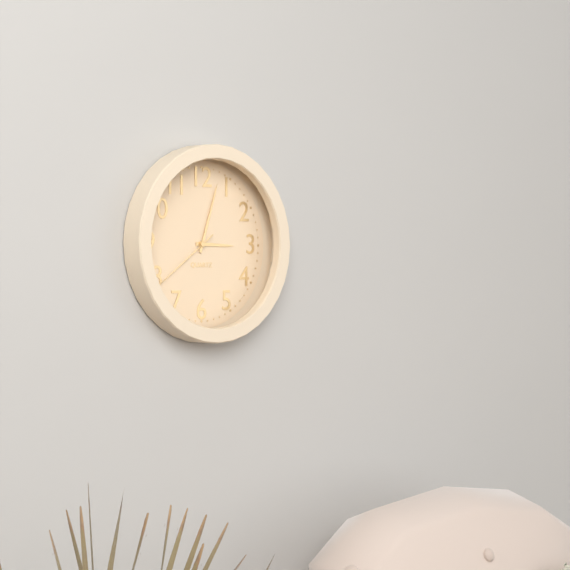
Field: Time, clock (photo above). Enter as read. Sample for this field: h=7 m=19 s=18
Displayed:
h=3 m=3 s=39
